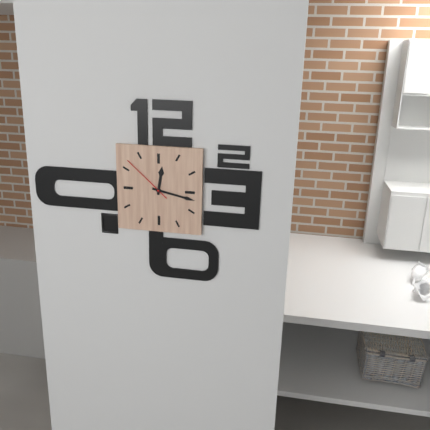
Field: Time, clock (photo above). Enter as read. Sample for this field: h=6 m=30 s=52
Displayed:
h=12 m=17 s=52
